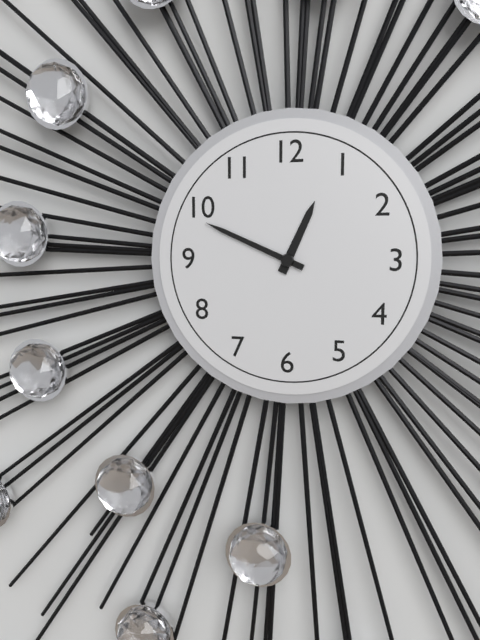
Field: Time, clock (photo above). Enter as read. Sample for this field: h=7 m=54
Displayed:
h=12 m=49
